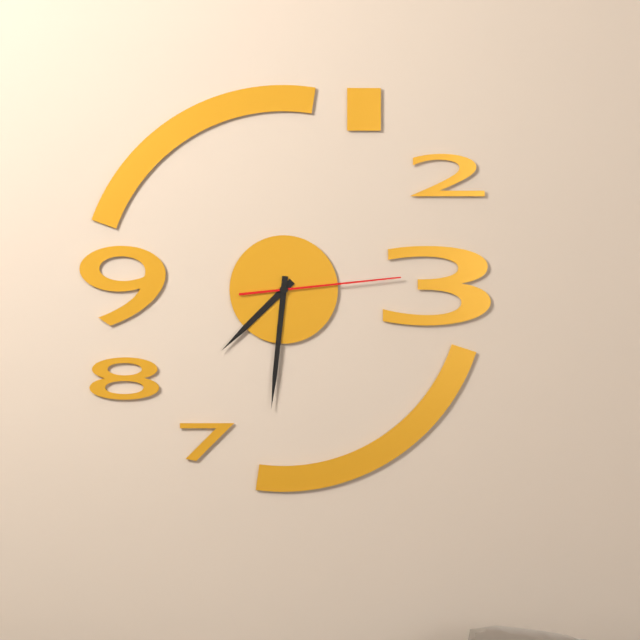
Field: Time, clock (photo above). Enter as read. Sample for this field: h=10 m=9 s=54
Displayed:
h=7 m=31 s=14
